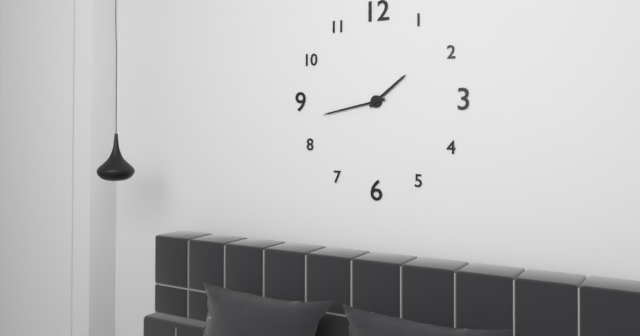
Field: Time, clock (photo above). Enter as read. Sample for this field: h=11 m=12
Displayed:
h=1 m=43
